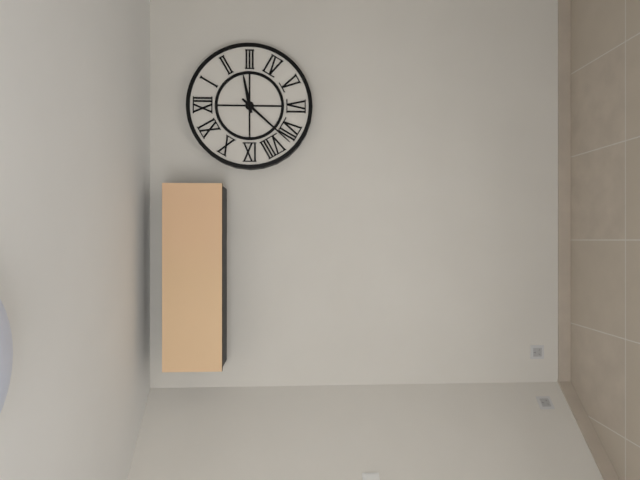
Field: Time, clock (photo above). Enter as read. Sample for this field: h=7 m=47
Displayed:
h=2 m=37
